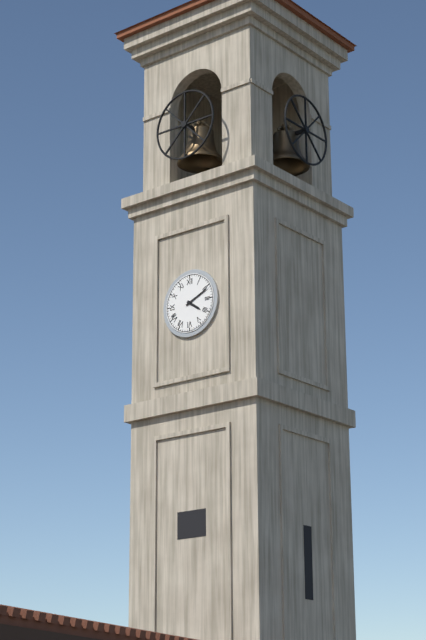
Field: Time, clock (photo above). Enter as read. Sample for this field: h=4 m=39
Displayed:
h=4 m=11
